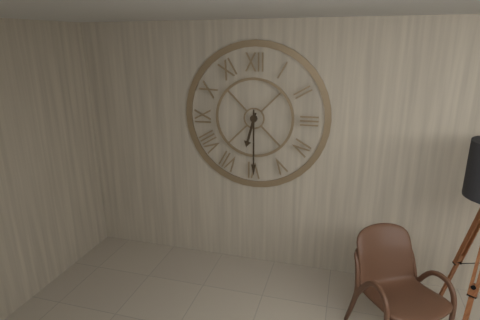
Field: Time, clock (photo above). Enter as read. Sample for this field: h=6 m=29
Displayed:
h=6 m=30
